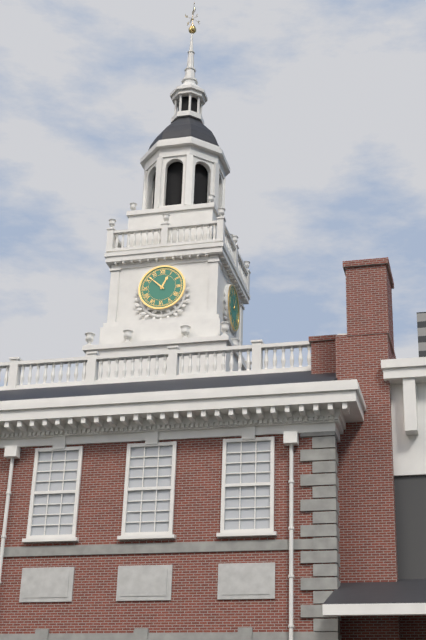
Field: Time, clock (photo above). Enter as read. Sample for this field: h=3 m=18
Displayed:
h=12 m=52
